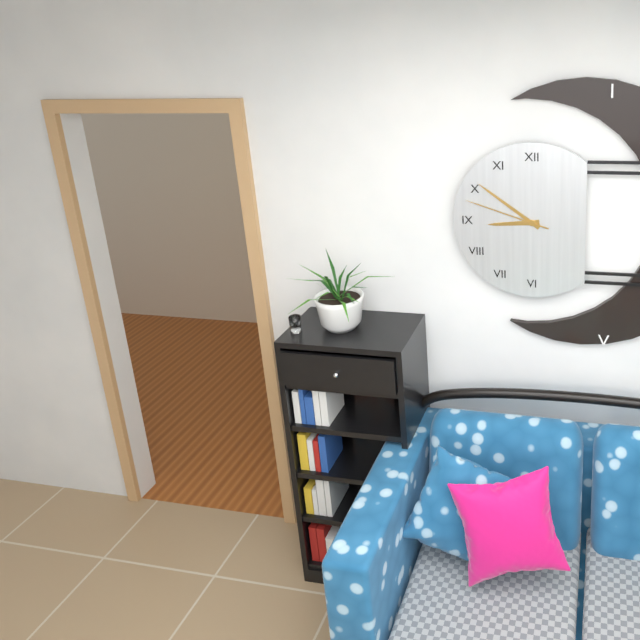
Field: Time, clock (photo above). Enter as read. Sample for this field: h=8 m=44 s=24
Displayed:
h=8 m=51 s=48
